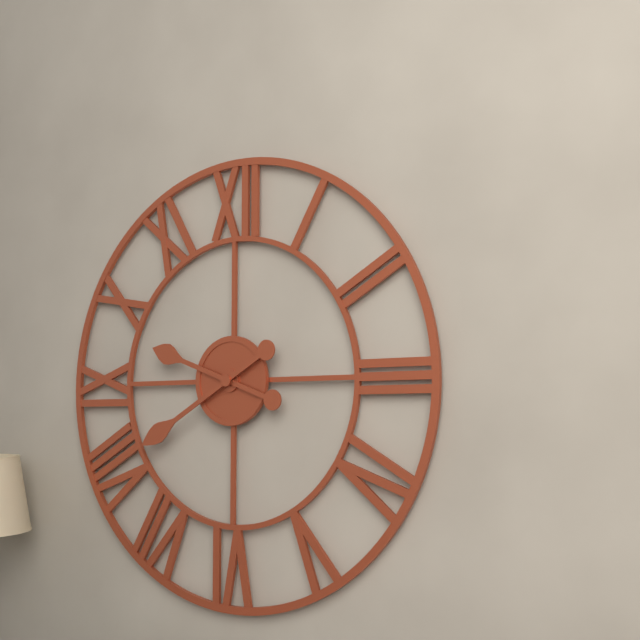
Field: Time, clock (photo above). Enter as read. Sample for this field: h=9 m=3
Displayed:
h=9 m=40
